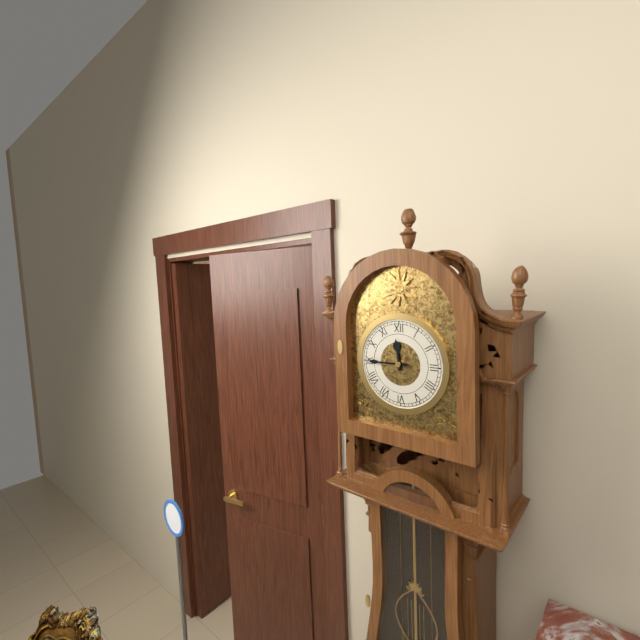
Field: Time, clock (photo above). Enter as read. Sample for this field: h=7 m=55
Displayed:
h=11 m=45
